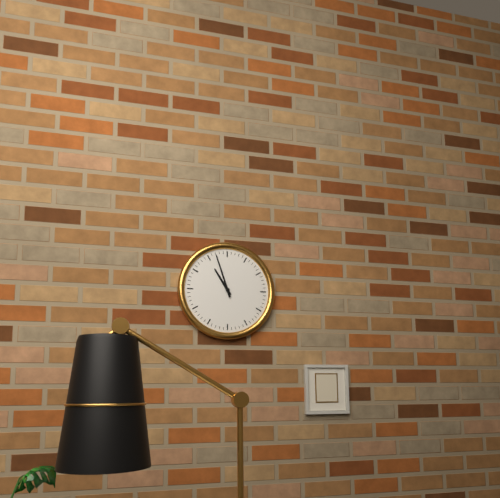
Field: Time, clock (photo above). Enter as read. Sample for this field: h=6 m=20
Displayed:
h=10 m=57
